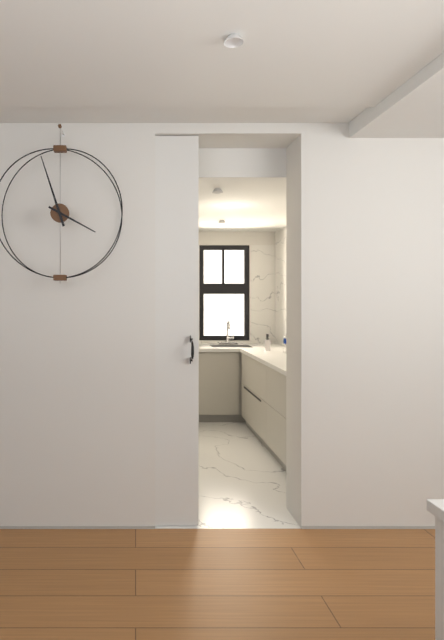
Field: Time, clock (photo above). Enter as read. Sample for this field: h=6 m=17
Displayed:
h=3 m=57
